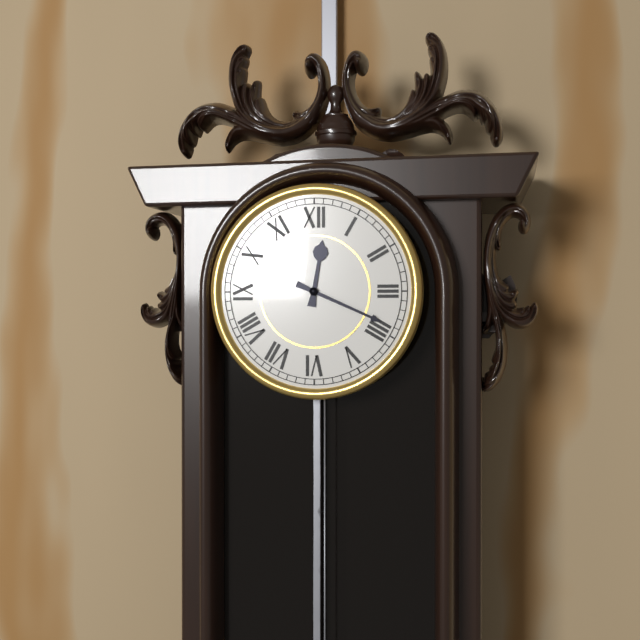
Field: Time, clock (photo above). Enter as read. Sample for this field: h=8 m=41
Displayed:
h=12 m=19
